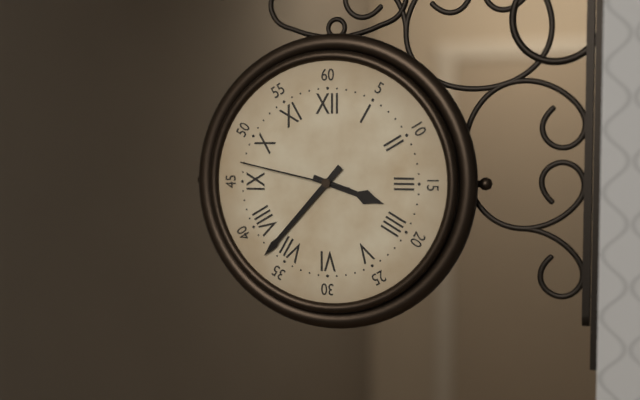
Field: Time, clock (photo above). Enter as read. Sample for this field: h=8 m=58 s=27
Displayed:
h=3 m=37 s=47
